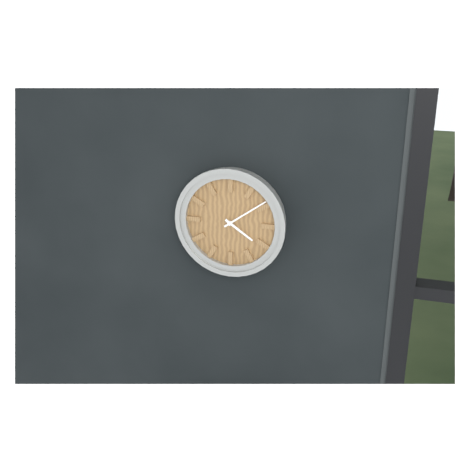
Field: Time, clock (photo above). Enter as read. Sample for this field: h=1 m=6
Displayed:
h=4 m=9
